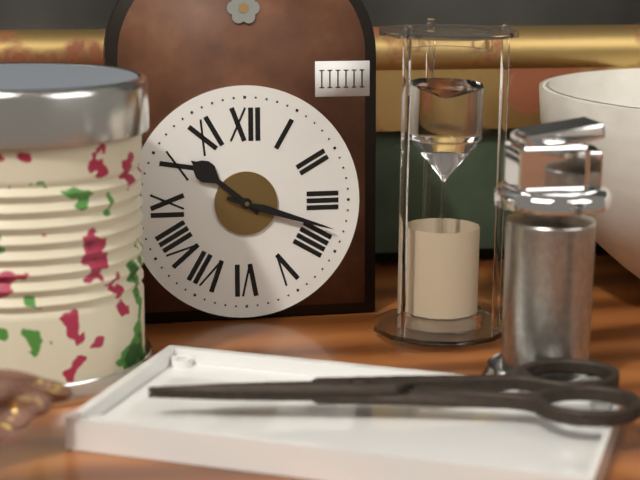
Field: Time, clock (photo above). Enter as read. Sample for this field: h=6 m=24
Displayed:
h=10 m=18
